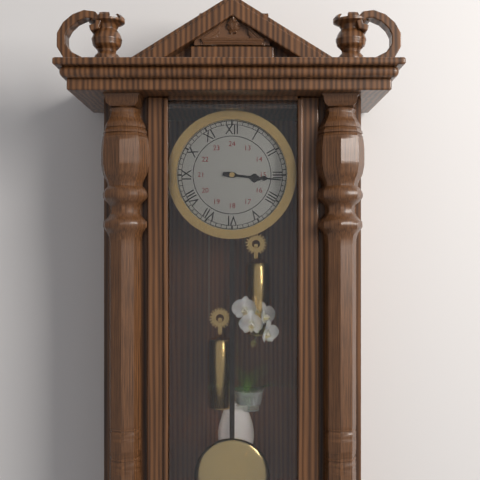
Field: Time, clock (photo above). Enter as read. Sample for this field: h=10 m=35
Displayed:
h=3 m=16
